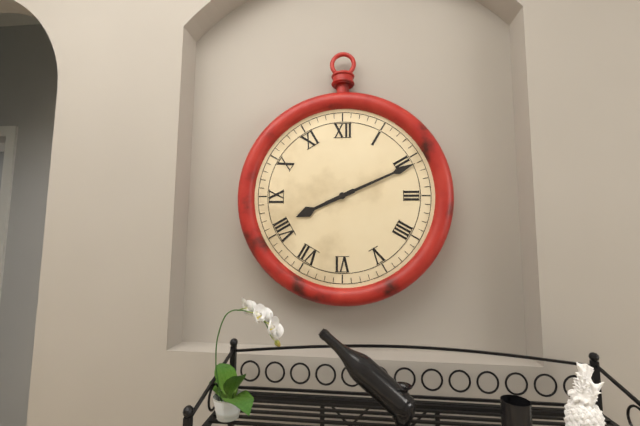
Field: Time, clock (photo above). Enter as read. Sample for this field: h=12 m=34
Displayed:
h=8 m=11
